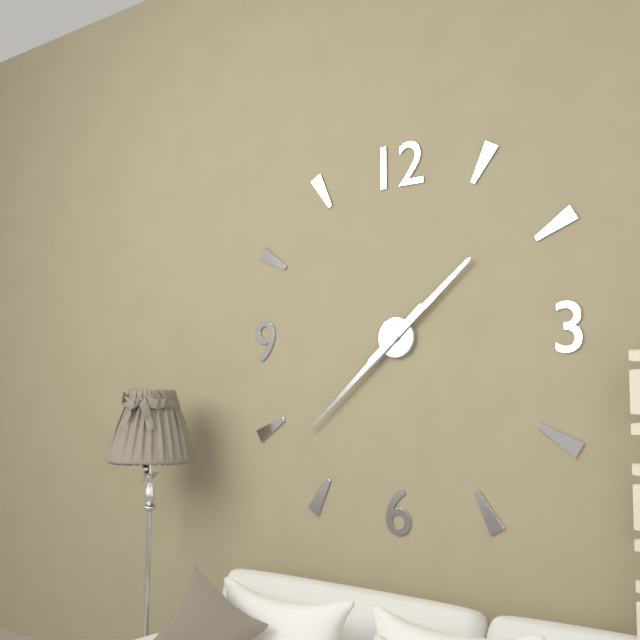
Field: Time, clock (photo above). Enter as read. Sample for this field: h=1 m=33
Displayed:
h=1 m=38
